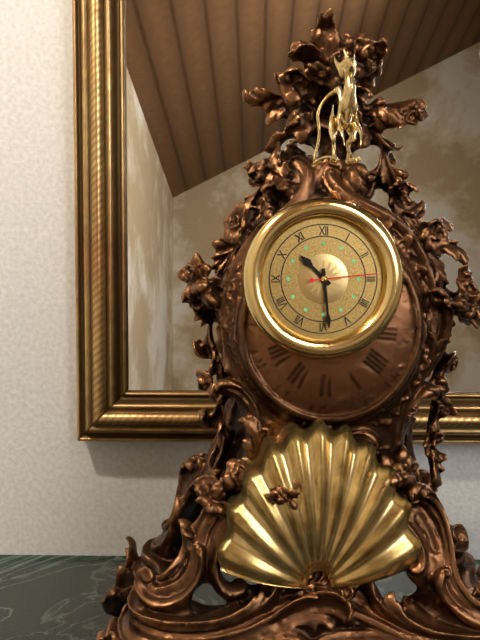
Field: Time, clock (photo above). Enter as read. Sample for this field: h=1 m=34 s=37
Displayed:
h=10 m=29 s=14
